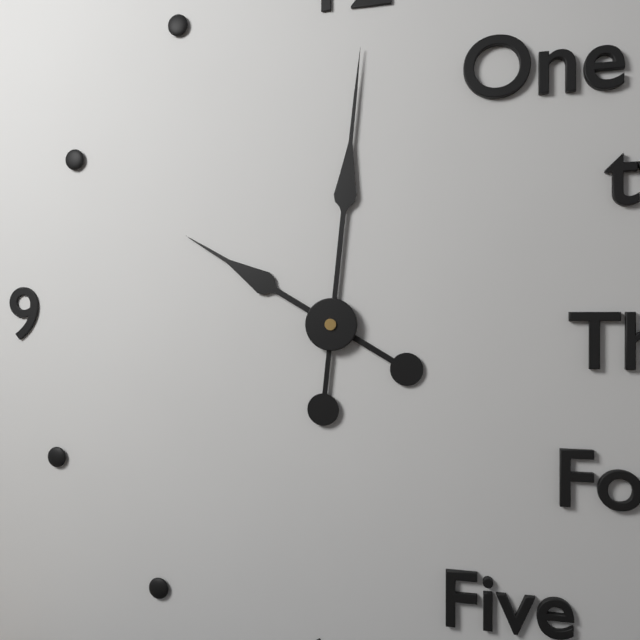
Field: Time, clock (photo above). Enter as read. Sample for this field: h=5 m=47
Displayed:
h=10 m=1
